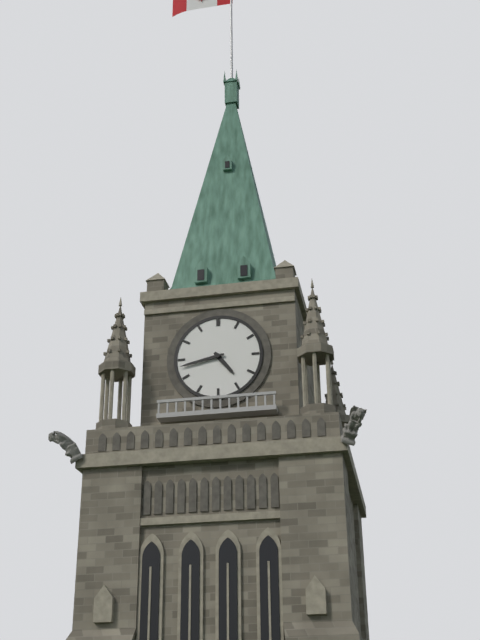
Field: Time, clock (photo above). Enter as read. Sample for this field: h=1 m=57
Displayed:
h=4 m=43
